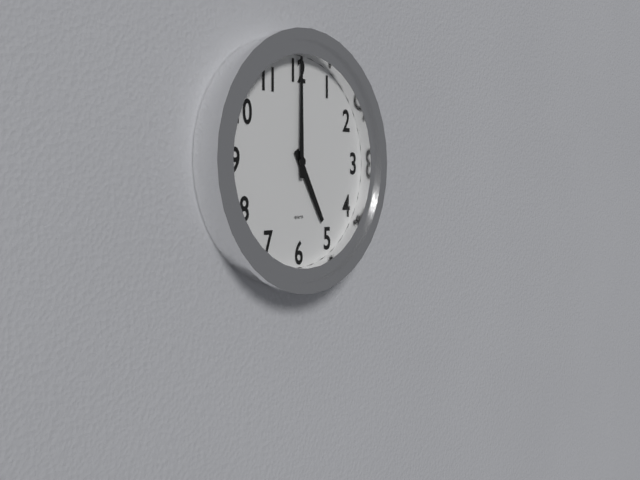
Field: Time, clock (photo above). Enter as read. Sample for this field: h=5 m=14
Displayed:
h=5 m=0
